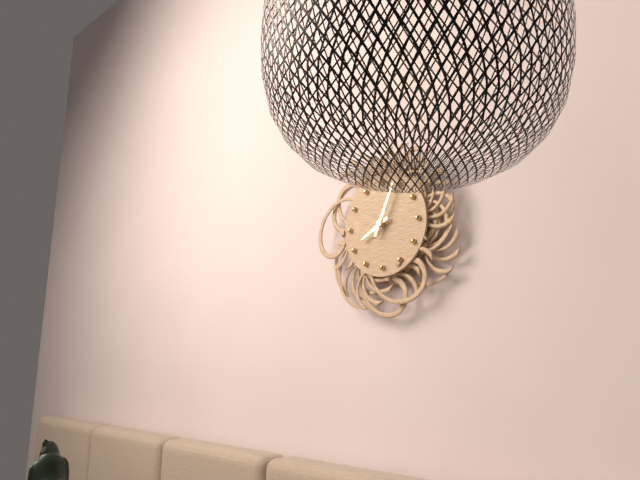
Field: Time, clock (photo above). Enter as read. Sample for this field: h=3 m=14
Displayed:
h=8 m=4
